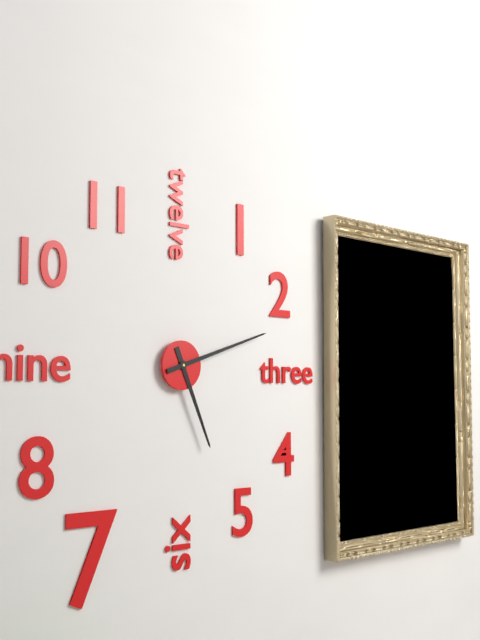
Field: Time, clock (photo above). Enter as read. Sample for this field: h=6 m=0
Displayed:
h=5 m=12
